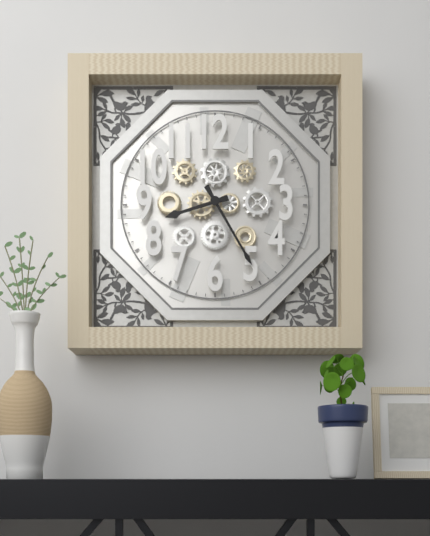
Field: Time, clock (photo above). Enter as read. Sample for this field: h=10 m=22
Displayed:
h=8 m=25
